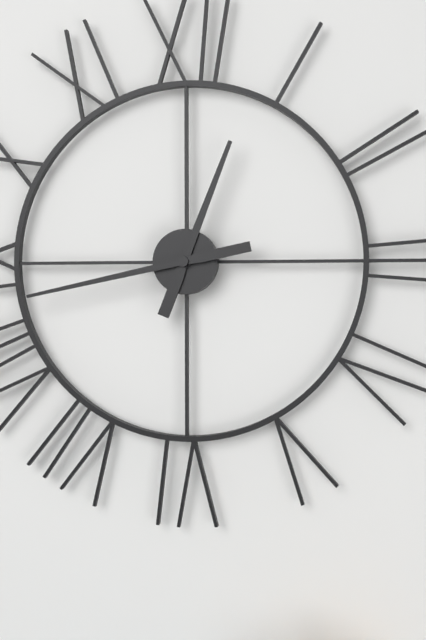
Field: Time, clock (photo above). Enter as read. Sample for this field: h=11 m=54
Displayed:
h=12 m=43
